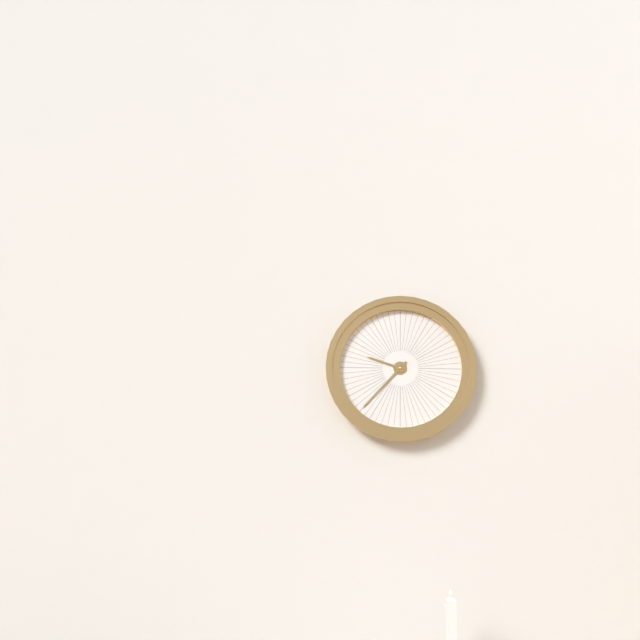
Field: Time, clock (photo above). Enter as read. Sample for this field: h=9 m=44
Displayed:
h=9 m=37
